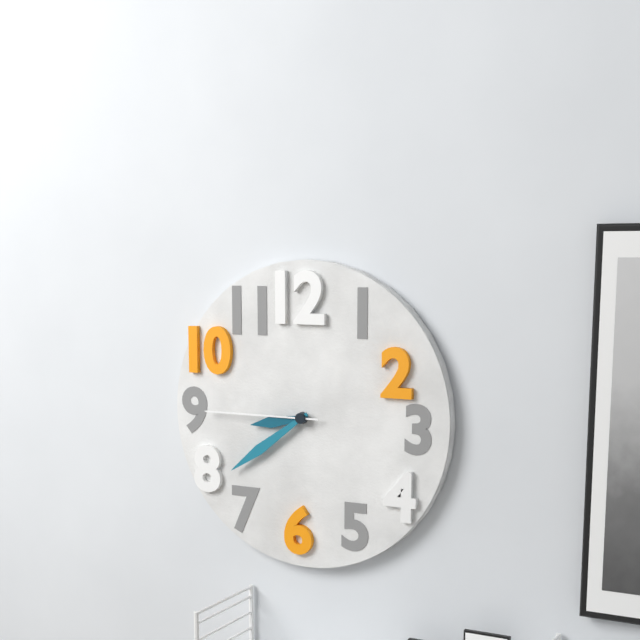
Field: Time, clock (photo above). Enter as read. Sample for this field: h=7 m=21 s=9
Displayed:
h=8 m=39 s=45
